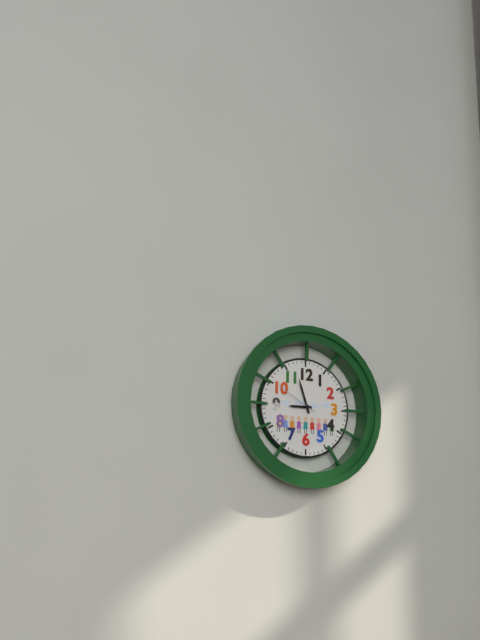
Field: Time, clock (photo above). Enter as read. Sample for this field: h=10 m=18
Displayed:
h=8 m=57
